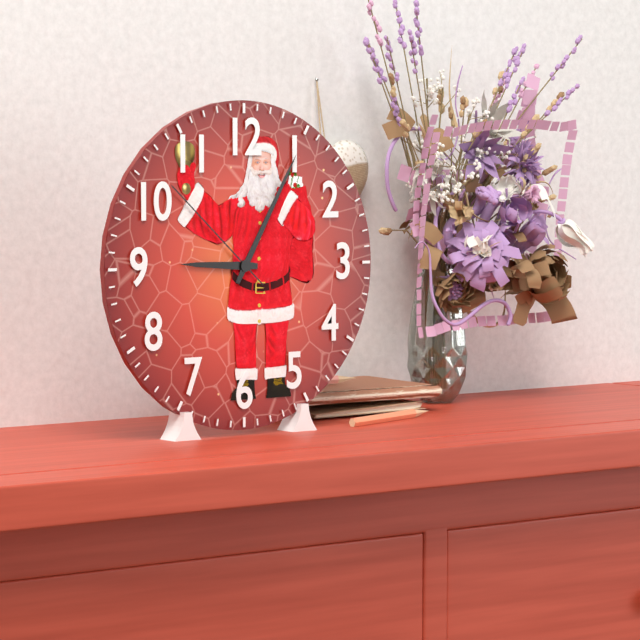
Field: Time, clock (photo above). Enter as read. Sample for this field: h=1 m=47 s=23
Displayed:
h=9 m=5 s=52
